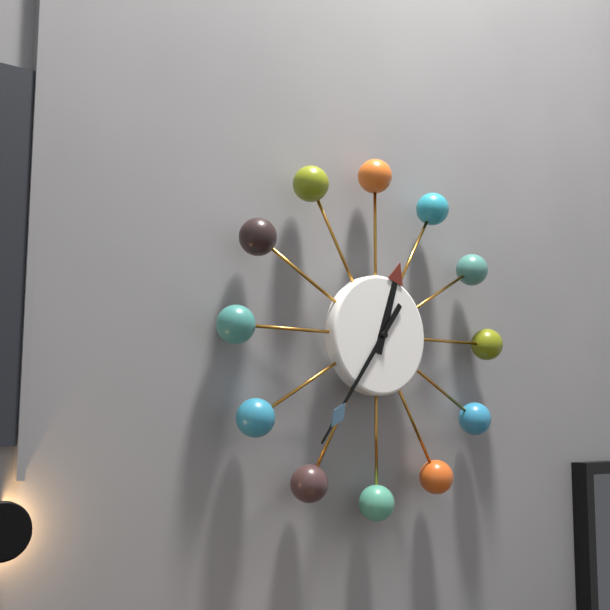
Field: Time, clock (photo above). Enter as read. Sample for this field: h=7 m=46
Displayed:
h=12 m=36
